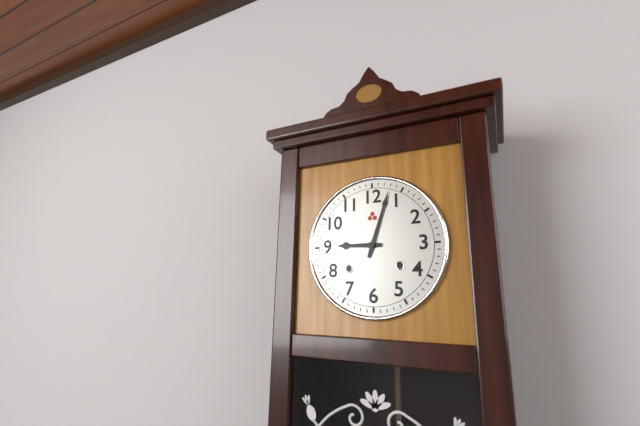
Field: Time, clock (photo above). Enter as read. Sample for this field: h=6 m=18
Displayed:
h=9 m=3
